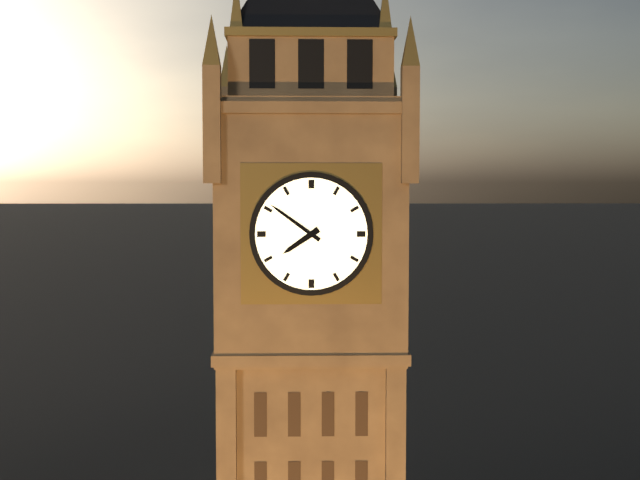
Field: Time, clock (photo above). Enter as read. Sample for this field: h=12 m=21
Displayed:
h=7 m=51
